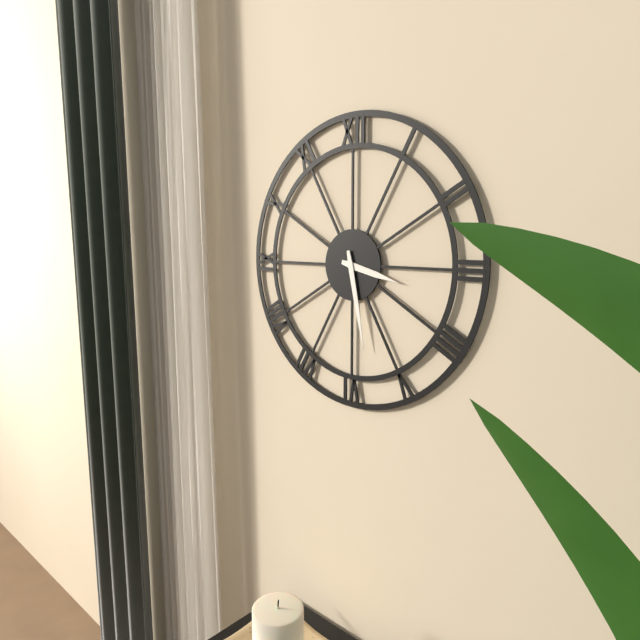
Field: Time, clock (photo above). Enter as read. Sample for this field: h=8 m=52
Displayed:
h=3 m=28
